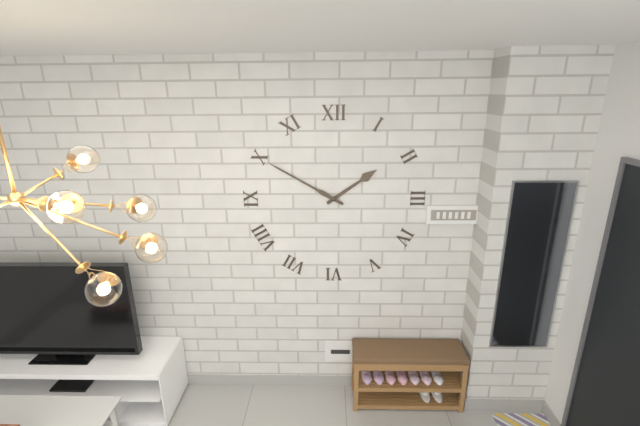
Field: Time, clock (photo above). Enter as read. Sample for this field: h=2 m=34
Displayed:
h=1 m=50
